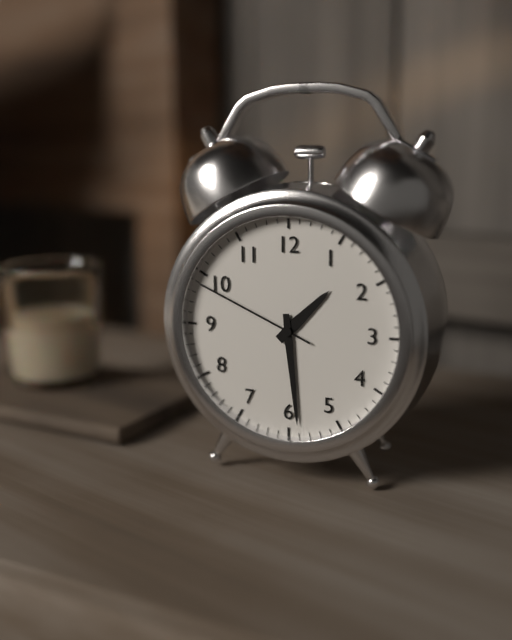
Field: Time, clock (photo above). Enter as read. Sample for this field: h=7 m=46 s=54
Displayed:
h=1 m=29 s=49
